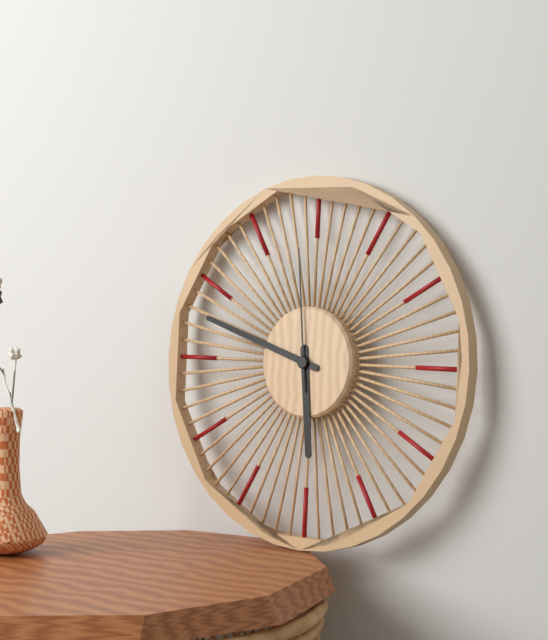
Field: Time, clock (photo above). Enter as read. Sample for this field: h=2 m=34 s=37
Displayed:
h=5 m=48 s=59
